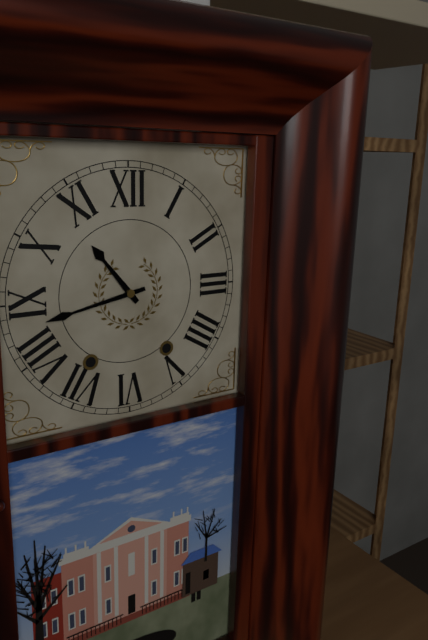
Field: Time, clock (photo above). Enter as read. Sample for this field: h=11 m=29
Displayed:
h=10 m=43
